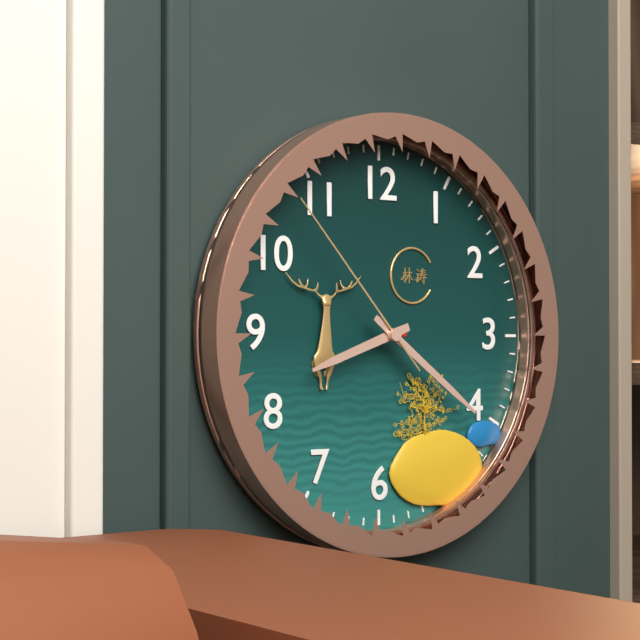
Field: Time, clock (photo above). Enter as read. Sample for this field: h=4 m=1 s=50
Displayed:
h=8 m=21 s=53
